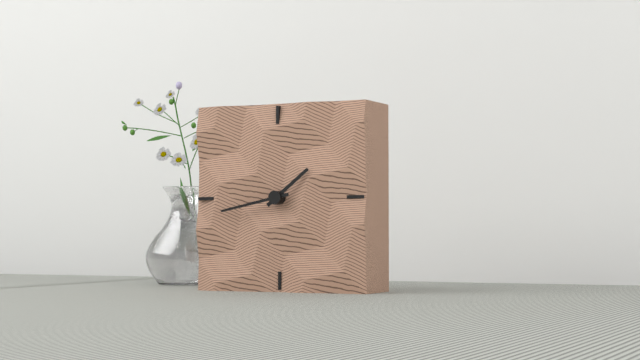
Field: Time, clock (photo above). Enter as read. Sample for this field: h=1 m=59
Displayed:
h=1 m=43
